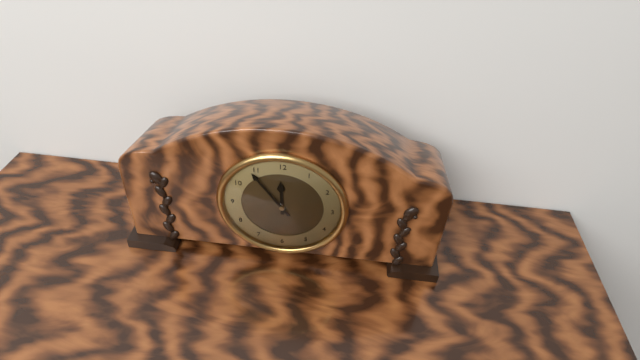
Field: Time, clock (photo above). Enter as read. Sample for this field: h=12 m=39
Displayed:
h=11 m=54
